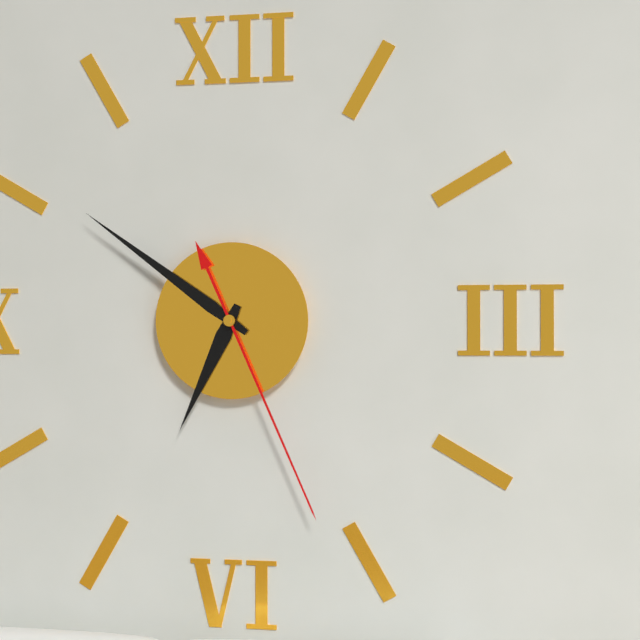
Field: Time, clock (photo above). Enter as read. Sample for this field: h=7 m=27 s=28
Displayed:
h=6 m=51 s=26
